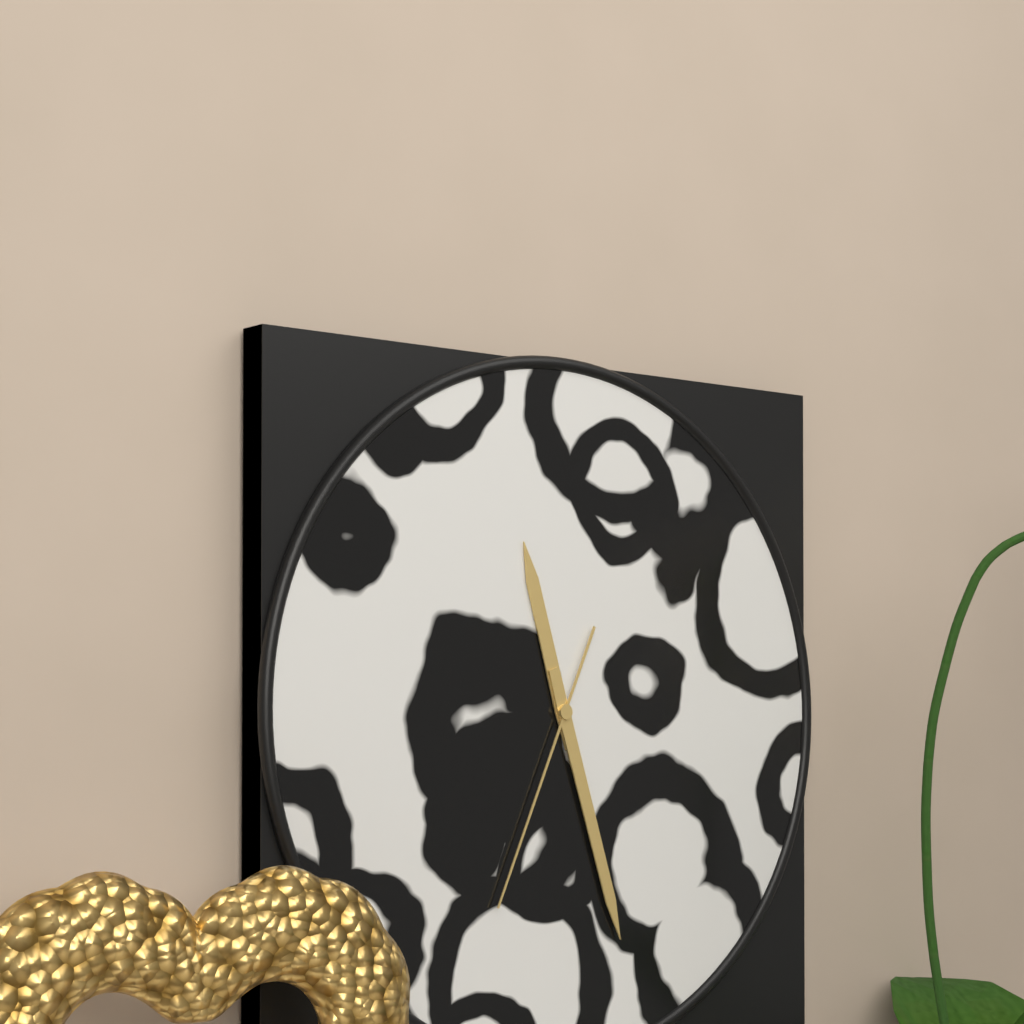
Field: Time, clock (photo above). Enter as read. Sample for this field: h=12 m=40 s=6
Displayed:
h=11 m=27 s=34
